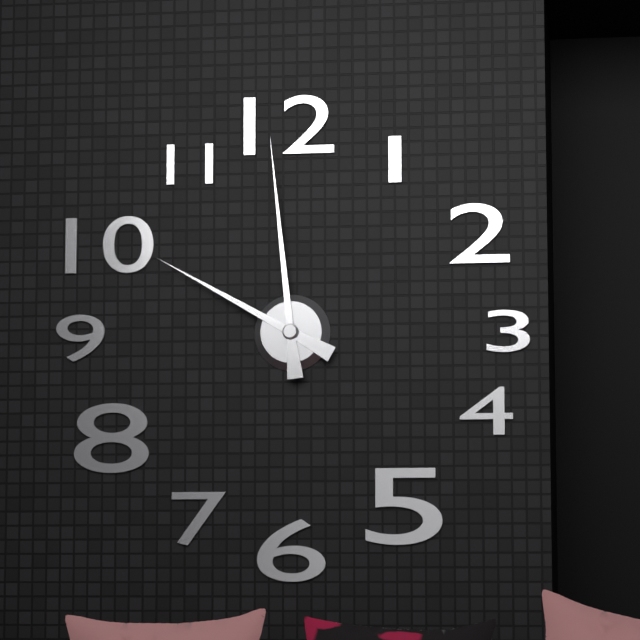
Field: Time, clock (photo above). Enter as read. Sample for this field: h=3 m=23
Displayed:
h=9 m=59
